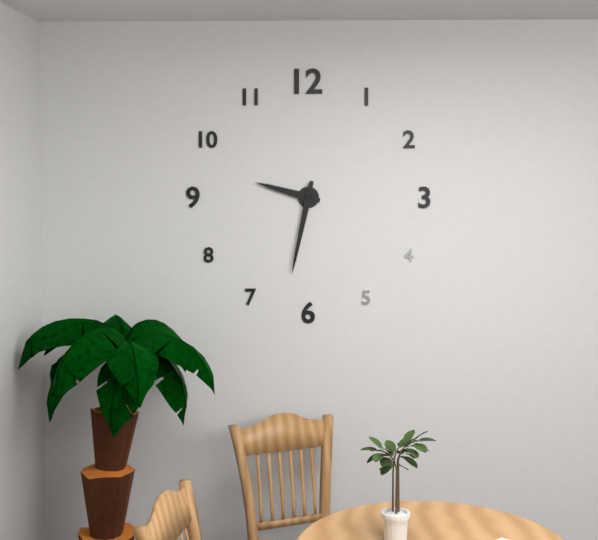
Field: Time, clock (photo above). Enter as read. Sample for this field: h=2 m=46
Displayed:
h=9 m=32
